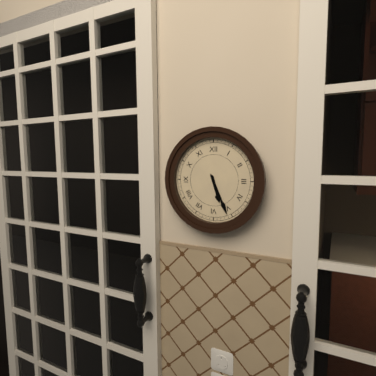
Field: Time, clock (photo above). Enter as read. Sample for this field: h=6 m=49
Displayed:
h=5 m=26
